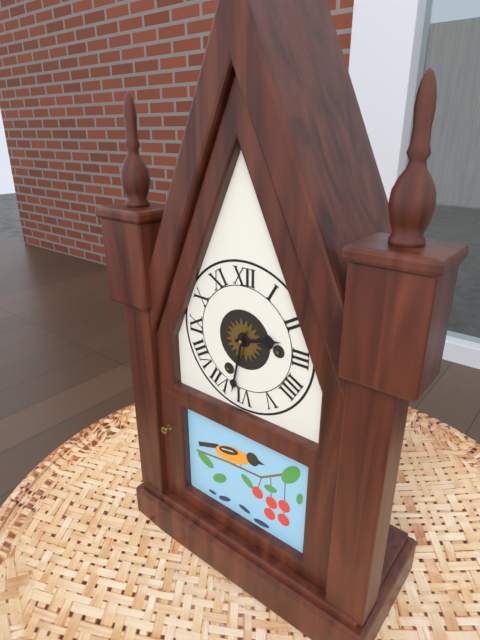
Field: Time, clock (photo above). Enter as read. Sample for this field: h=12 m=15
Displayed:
h=2 m=32
